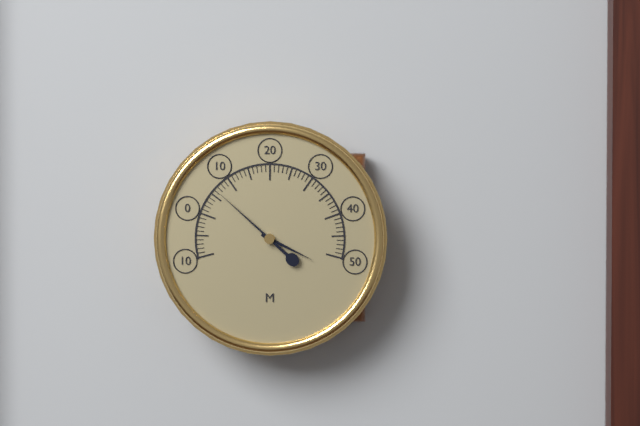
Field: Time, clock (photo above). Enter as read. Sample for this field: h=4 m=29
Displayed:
h=3 m=52
